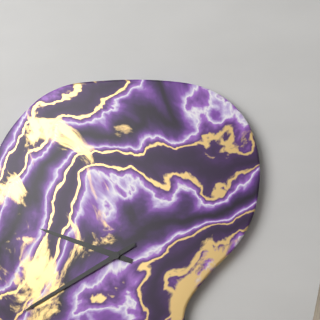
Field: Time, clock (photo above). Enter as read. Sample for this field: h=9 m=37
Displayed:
h=9 m=40
